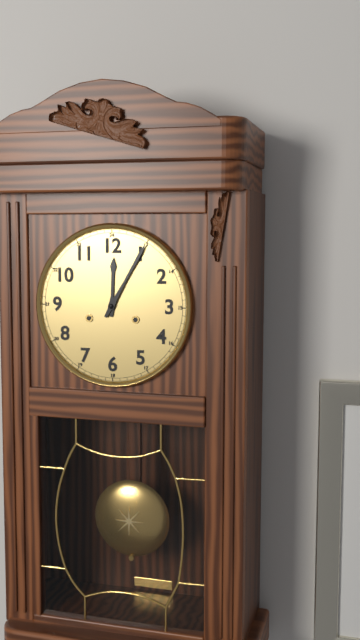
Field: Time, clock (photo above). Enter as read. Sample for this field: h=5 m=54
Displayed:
h=12 m=5
